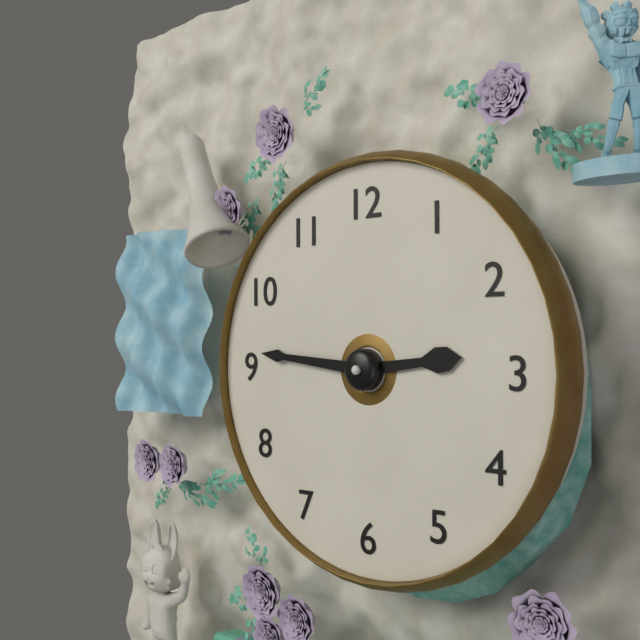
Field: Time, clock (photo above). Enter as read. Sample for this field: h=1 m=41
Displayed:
h=2 m=46
